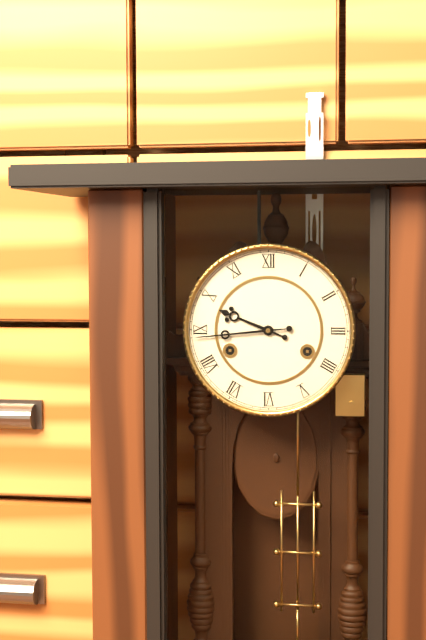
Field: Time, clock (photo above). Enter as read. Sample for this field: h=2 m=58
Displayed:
h=9 m=44
